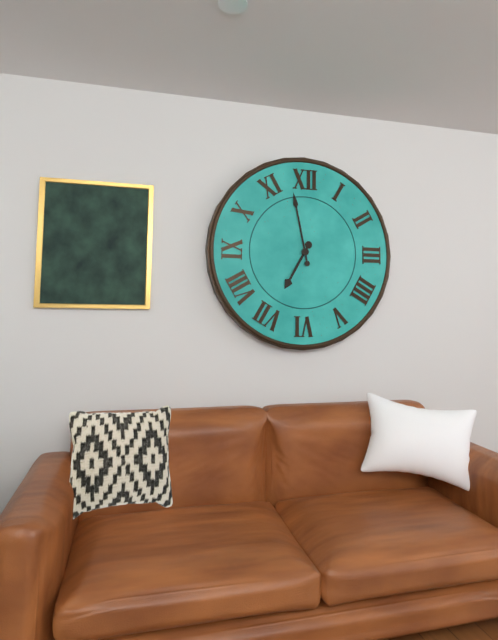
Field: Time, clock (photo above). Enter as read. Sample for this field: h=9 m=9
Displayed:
h=6 m=58
